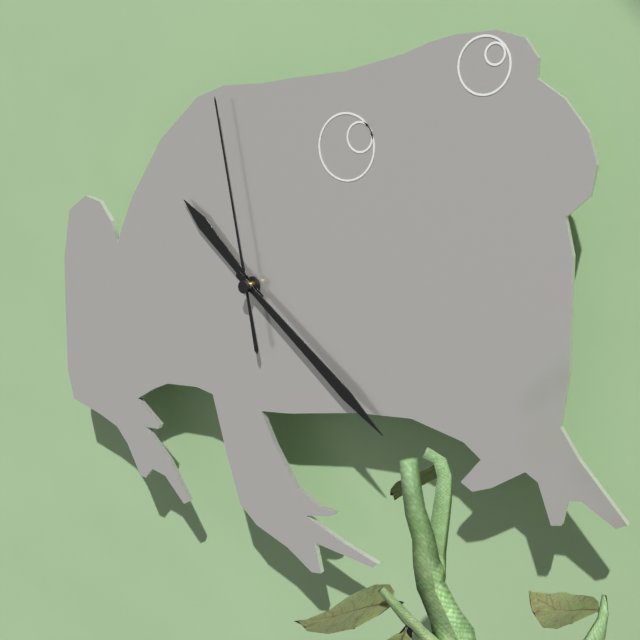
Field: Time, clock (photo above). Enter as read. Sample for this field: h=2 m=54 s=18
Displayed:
h=10 m=21 s=58
